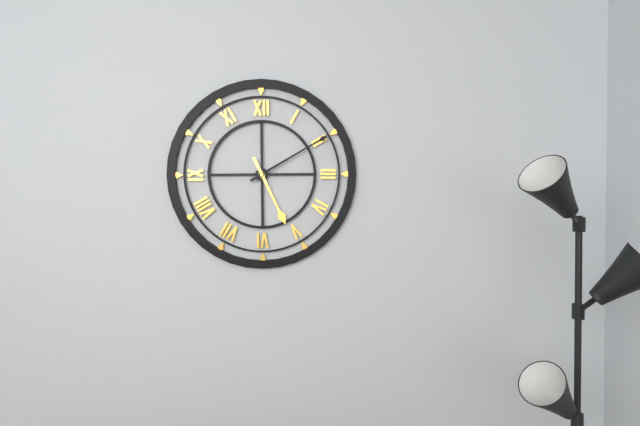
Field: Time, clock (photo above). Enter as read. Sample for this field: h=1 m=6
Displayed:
h=5 m=10
